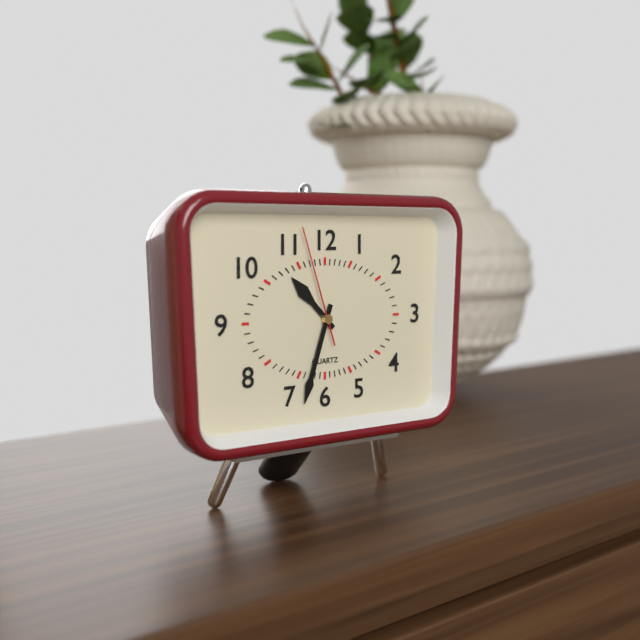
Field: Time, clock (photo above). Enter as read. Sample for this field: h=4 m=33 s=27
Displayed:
h=10 m=33 s=57
